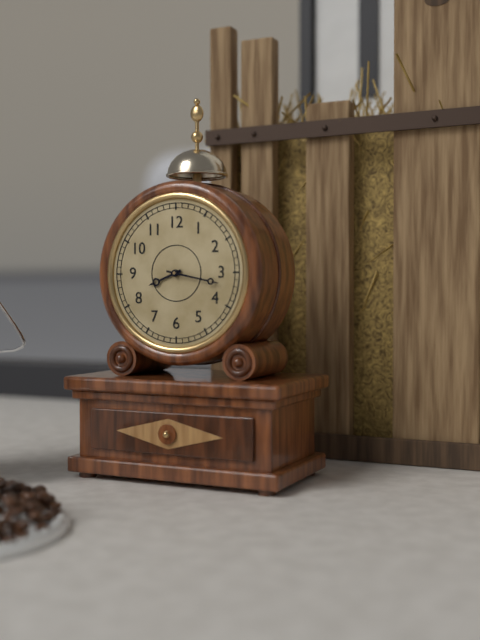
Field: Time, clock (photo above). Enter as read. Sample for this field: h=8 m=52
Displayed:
h=8 m=17
